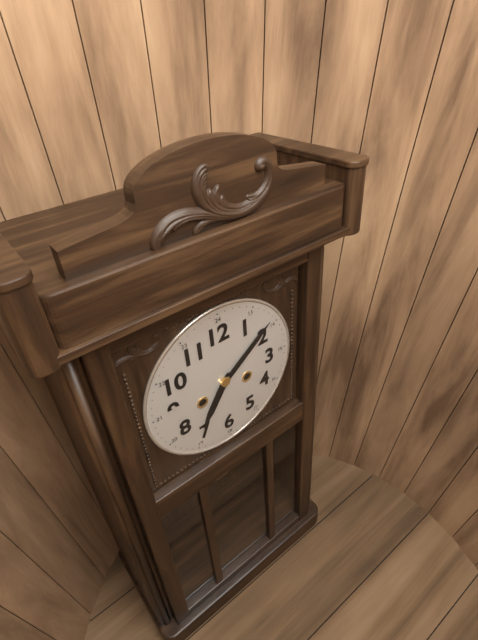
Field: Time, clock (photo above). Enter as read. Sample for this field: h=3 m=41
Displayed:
h=7 m=9
